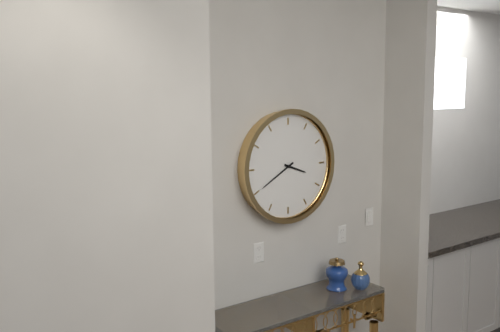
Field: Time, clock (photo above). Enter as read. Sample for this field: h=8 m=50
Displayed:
h=3 m=40
